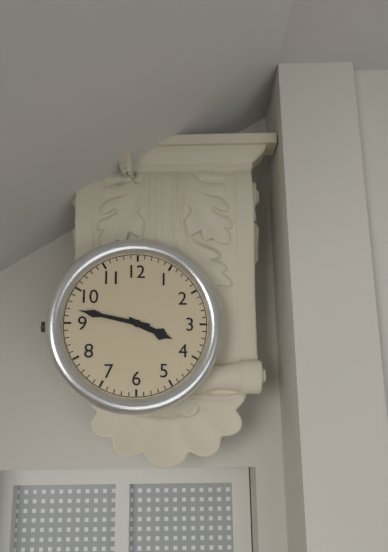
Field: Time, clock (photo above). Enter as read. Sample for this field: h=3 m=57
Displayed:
h=3 m=47
